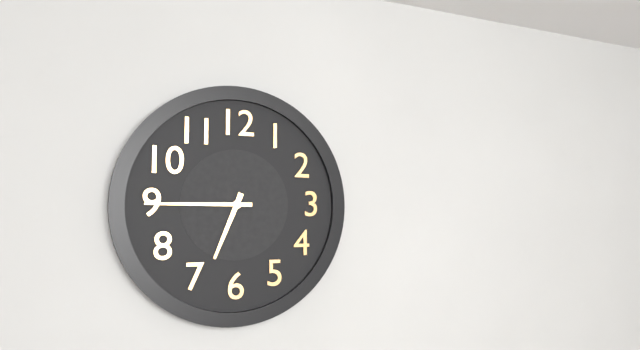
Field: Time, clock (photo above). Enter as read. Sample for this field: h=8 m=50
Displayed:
h=6 m=45
